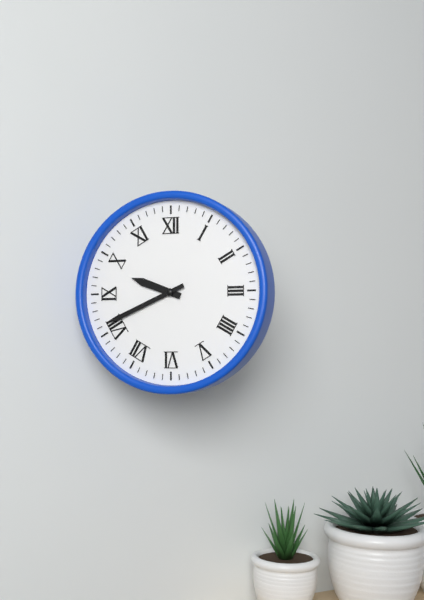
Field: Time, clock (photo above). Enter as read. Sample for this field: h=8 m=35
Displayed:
h=9 m=41
